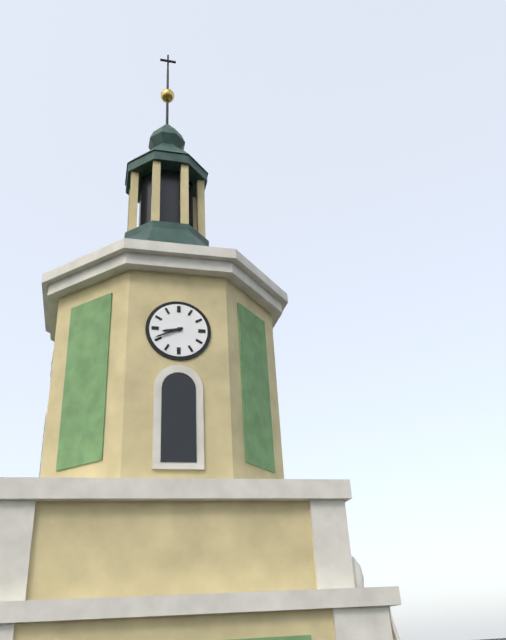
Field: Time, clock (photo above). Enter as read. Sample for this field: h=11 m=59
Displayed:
h=8 m=41
